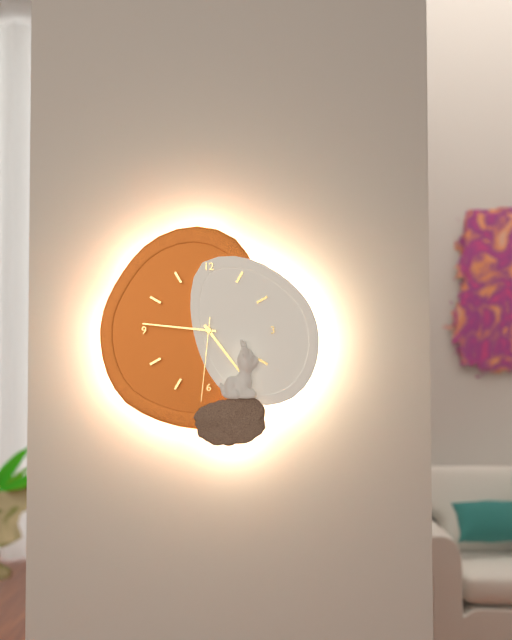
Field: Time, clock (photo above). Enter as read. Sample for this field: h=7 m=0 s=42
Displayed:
h=4 m=46 s=31
